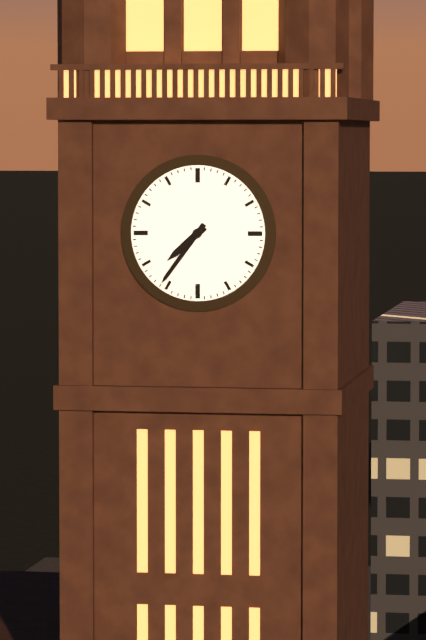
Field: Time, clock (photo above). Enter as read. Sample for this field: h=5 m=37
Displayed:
h=7 m=36
